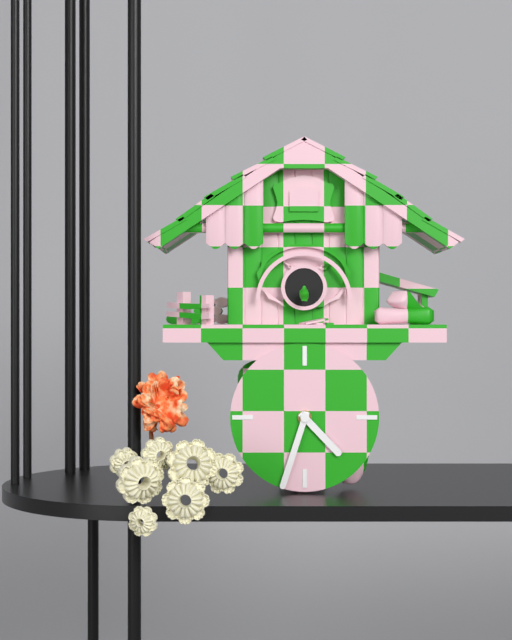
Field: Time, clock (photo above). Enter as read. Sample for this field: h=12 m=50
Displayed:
h=4 m=33
